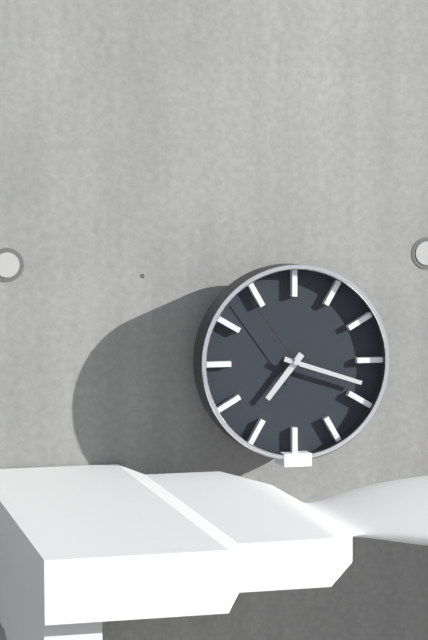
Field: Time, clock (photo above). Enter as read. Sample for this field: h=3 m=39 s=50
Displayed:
h=7 m=18 s=54
